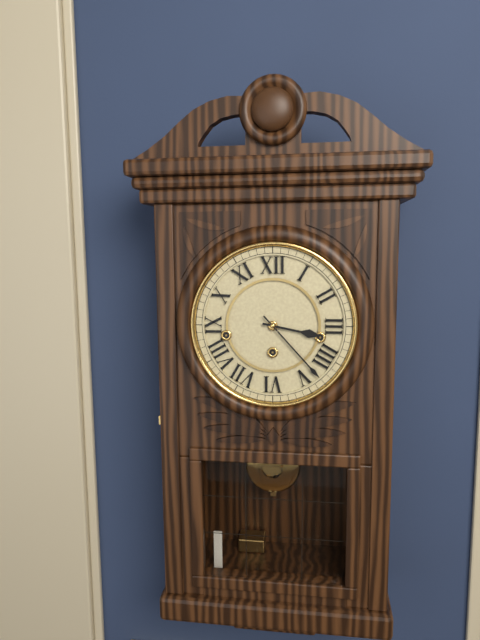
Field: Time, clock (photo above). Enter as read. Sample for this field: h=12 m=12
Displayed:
h=3 m=23
